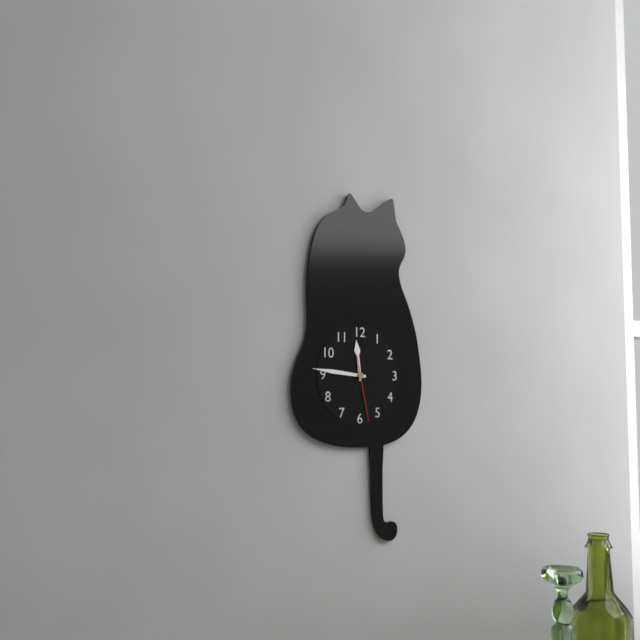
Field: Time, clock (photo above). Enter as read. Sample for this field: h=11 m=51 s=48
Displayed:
h=11 m=46 s=28
